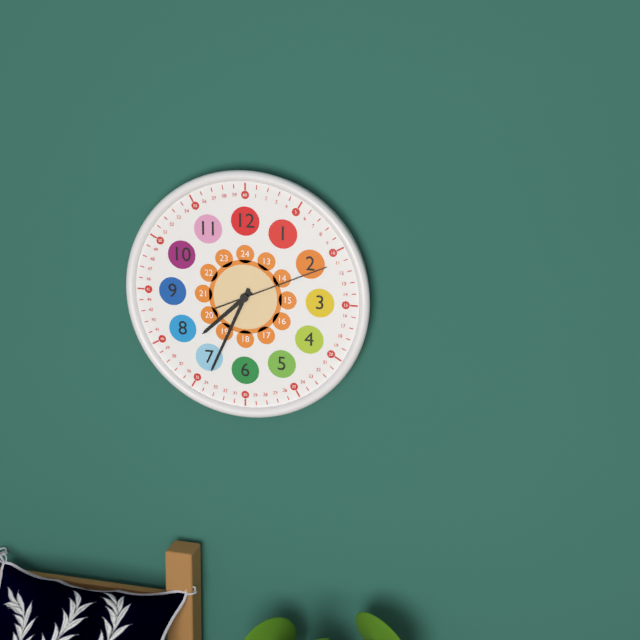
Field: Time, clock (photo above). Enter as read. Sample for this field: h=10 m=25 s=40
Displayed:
h=7 m=34 s=11
